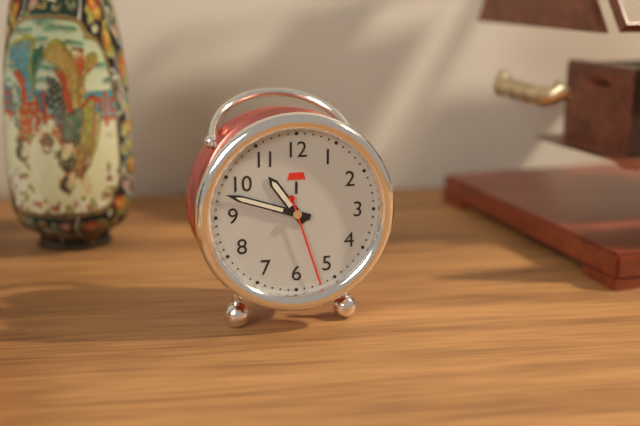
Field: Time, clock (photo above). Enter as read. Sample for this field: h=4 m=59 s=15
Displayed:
h=10 m=48 s=27
